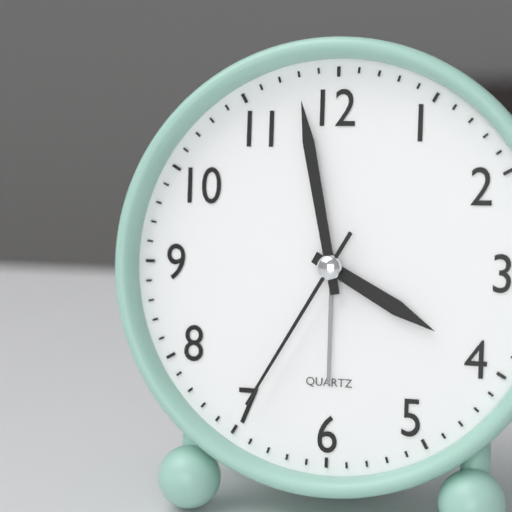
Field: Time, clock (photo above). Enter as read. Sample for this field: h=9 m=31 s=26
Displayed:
h=3 m=58 s=35
